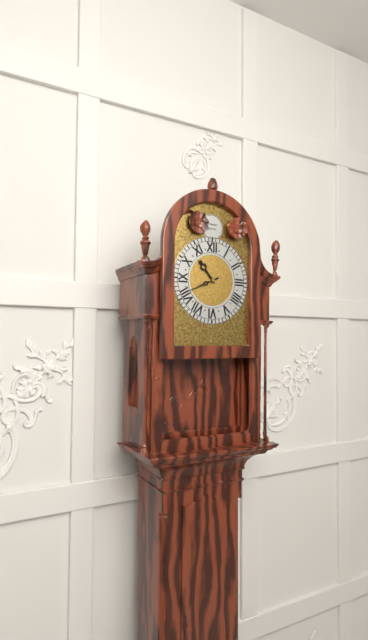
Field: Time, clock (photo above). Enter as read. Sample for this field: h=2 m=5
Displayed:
h=10 m=41
